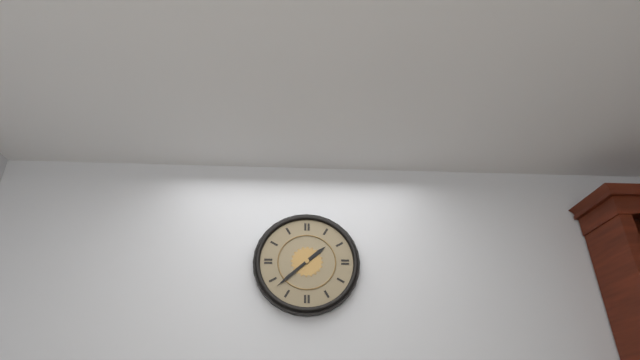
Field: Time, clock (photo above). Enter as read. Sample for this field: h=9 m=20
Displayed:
h=1 m=38
